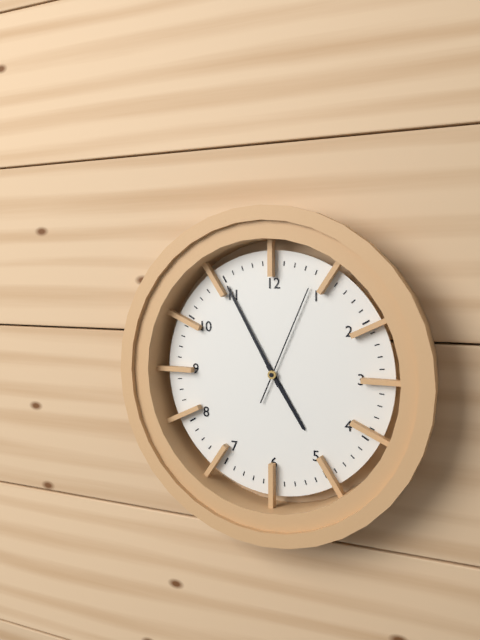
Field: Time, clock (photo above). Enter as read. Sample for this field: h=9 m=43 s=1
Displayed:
h=4 m=55 s=4
